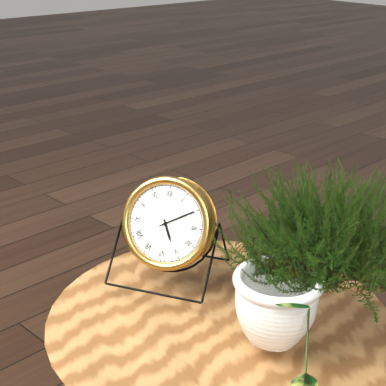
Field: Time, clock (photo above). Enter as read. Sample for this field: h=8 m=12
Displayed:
h=5 m=10
